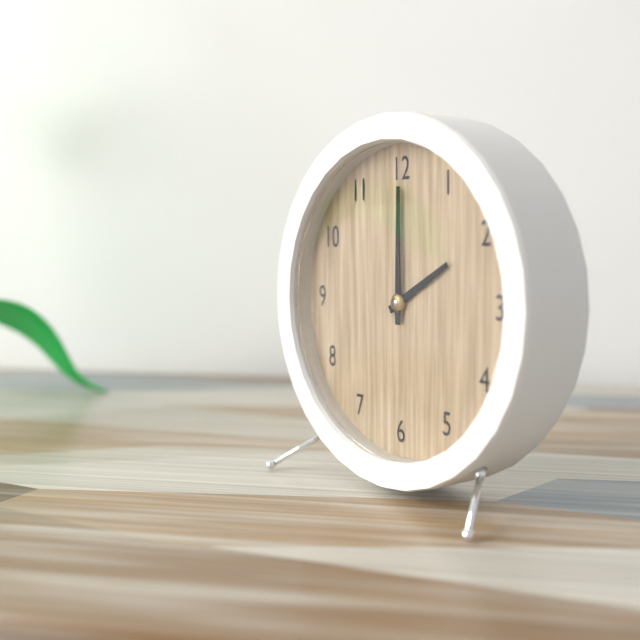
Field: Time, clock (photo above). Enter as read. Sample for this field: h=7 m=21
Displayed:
h=2 m=0
